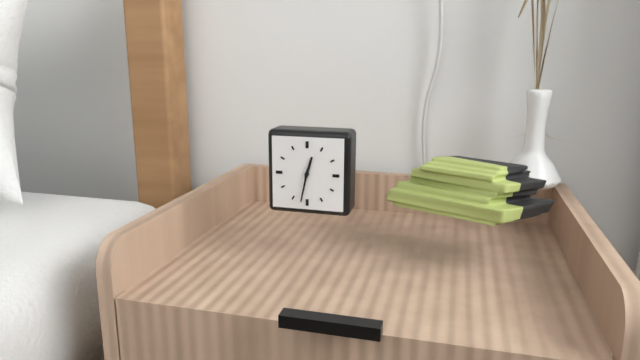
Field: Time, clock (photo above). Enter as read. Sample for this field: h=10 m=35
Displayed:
h=12 m=32
